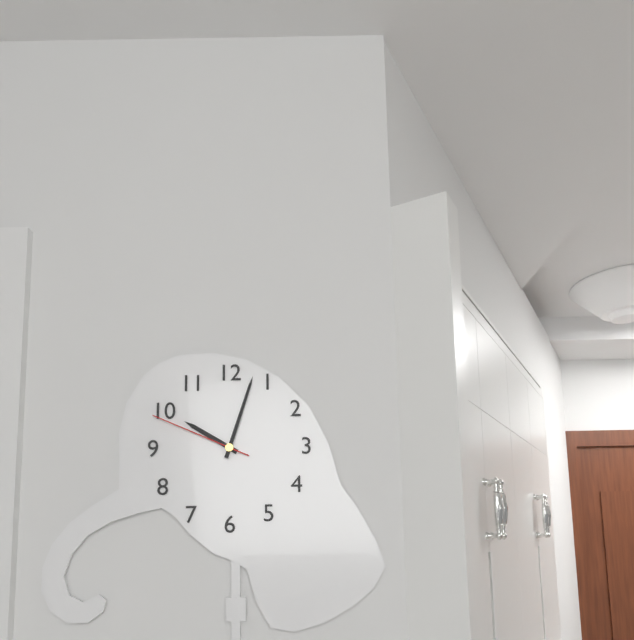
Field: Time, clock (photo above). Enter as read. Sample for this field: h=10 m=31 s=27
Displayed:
h=10 m=3 s=49
